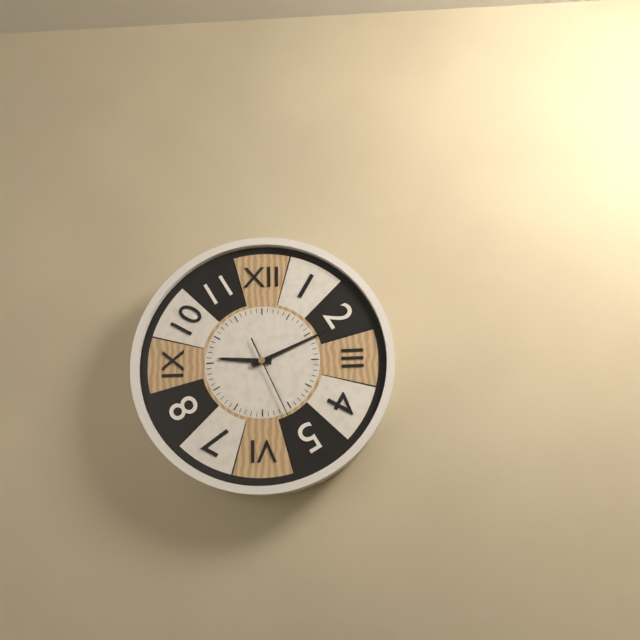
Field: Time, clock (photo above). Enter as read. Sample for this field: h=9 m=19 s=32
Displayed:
h=9 m=11 s=26
